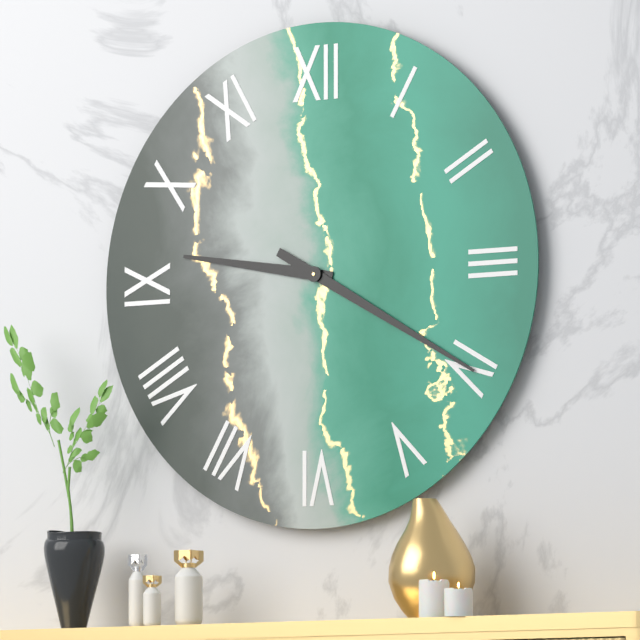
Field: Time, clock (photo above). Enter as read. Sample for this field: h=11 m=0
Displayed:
h=9 m=20
